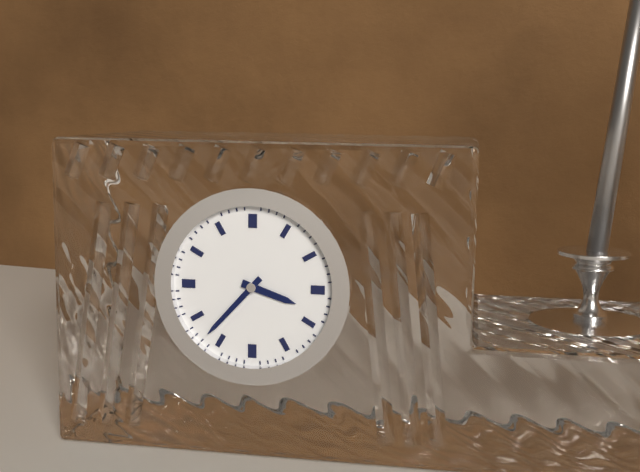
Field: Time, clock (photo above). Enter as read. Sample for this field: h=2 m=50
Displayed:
h=3 m=37
